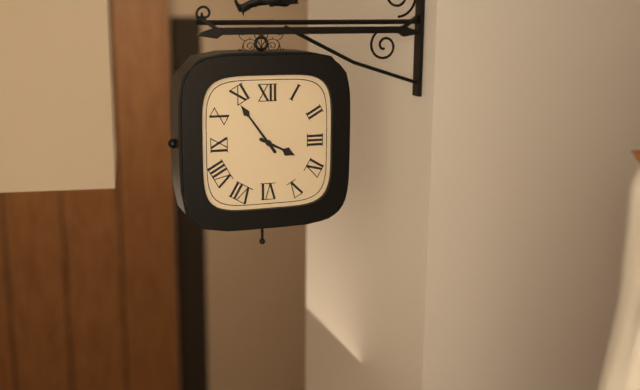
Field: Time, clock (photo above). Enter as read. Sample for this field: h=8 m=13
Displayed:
h=3 m=54
